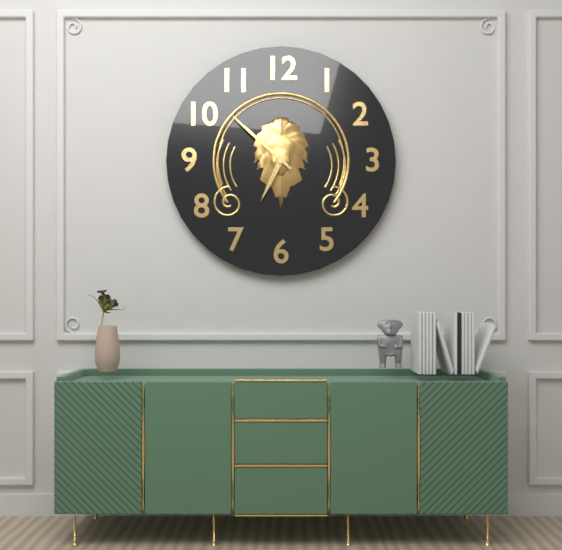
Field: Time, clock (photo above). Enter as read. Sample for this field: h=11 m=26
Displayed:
h=6 m=52
